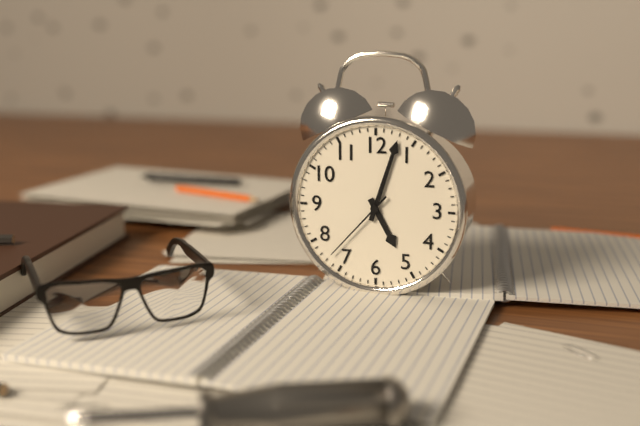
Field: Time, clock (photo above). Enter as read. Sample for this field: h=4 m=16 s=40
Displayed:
h=5 m=3 s=37
